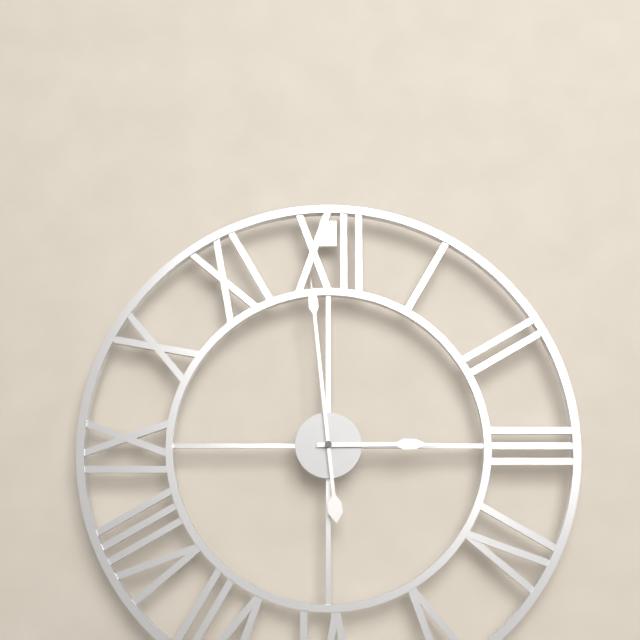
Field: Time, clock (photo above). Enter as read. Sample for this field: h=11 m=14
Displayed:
h=2 m=59
